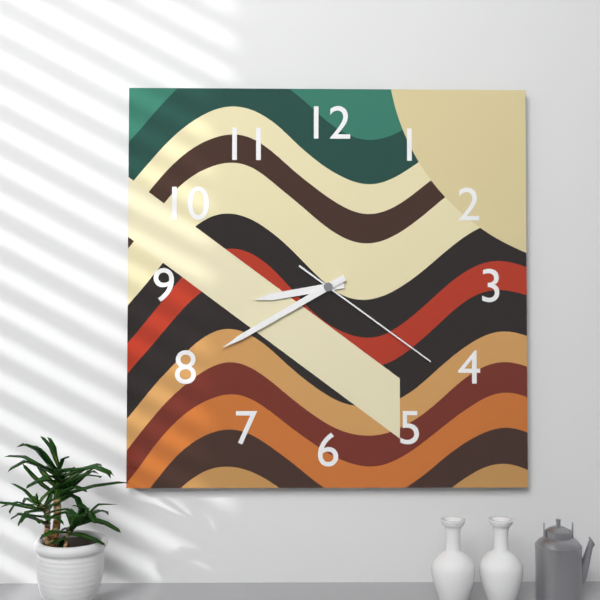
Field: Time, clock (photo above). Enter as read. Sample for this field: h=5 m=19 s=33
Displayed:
h=8 m=40 s=21
